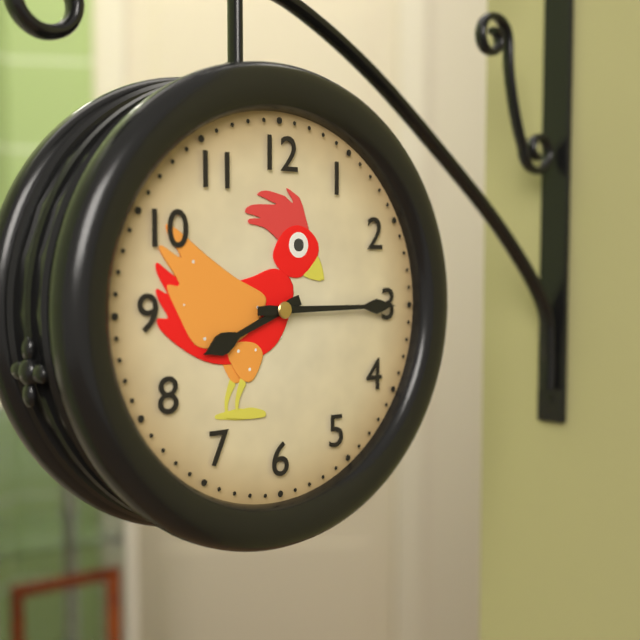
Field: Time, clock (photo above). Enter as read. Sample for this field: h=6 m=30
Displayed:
h=8 m=15
